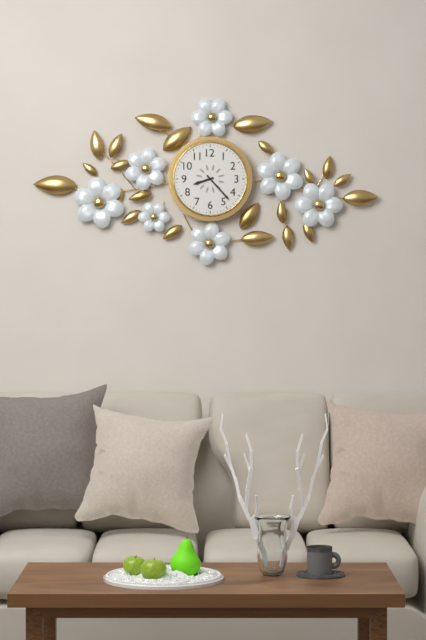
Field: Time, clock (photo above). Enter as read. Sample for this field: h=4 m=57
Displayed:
h=8 m=23
